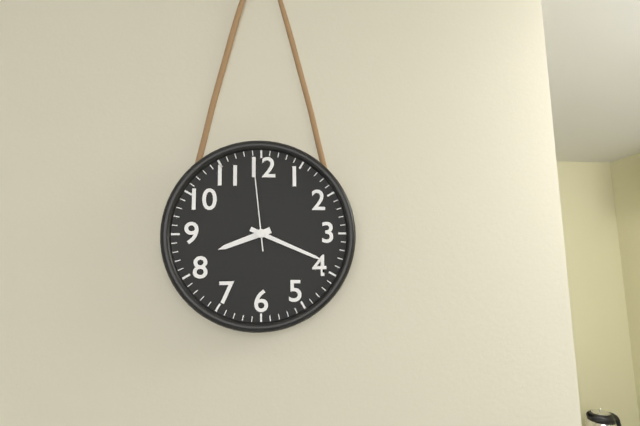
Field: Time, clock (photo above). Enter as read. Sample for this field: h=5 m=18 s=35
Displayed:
h=8 m=19 s=59
